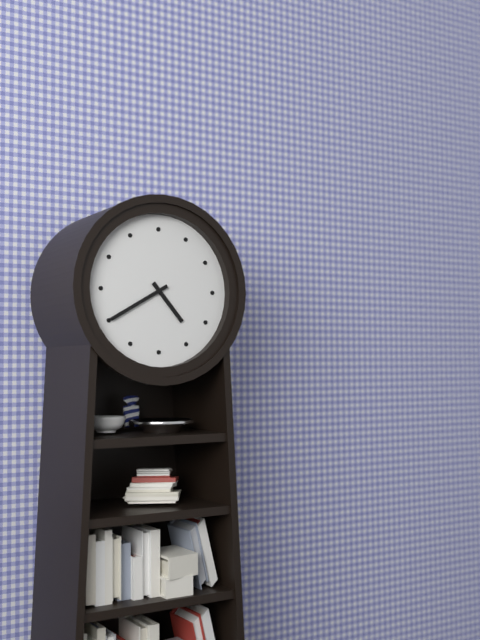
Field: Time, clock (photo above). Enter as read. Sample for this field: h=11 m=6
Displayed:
h=4 m=40
